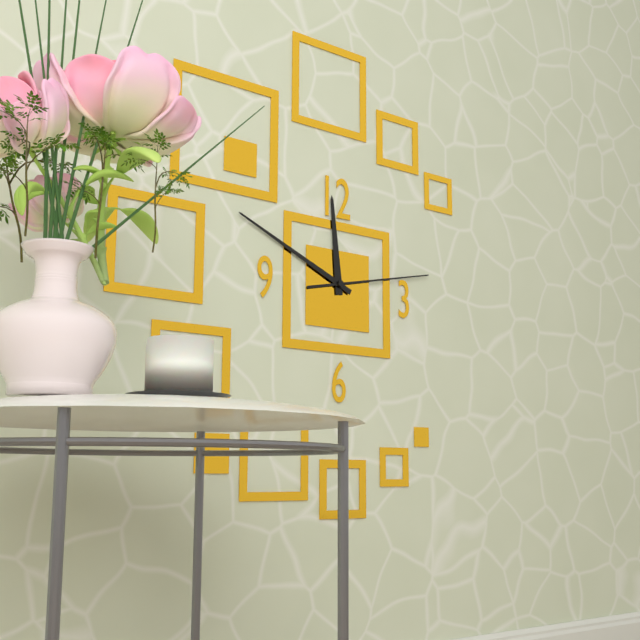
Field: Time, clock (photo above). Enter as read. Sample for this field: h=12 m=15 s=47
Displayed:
h=11 m=49 s=13
